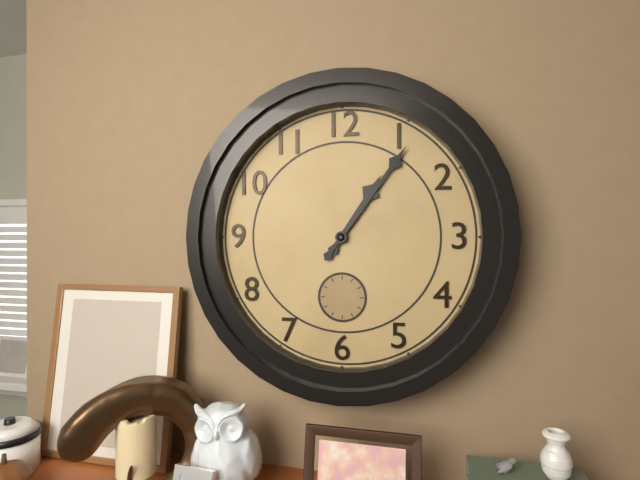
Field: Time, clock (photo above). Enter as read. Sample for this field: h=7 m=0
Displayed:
h=1 m=6
